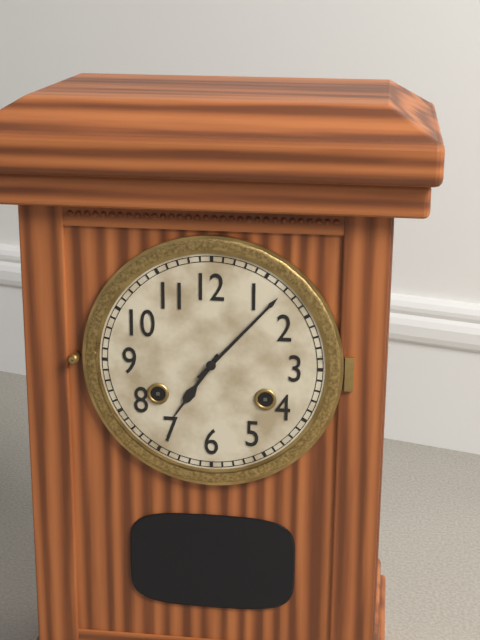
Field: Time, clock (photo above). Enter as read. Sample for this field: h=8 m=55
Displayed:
h=7 m=7
